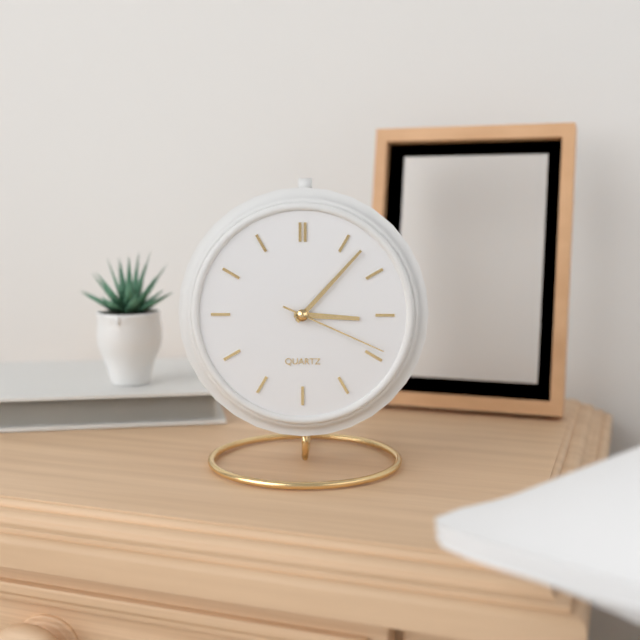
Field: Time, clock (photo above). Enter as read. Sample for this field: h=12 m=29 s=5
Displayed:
h=3 m=7 s=19
